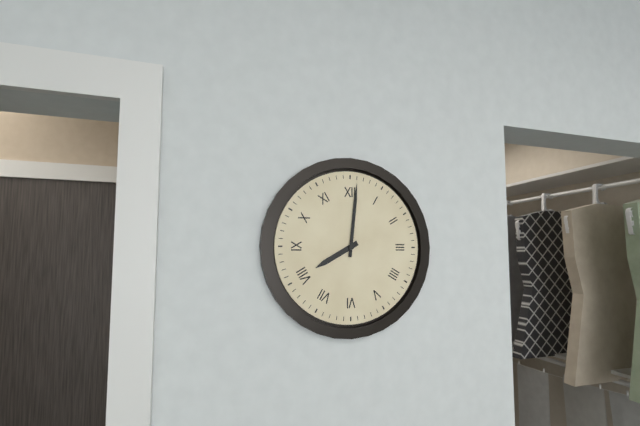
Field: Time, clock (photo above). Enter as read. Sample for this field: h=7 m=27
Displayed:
h=8 m=1
